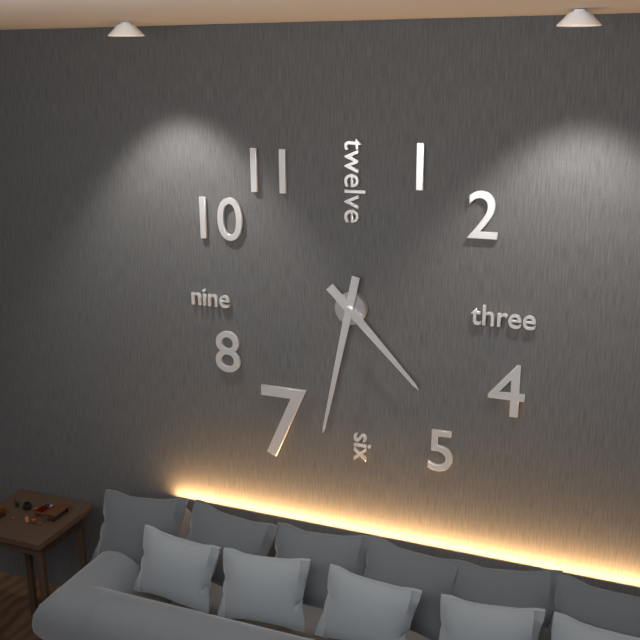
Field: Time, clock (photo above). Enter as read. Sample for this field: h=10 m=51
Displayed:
h=4 m=32
